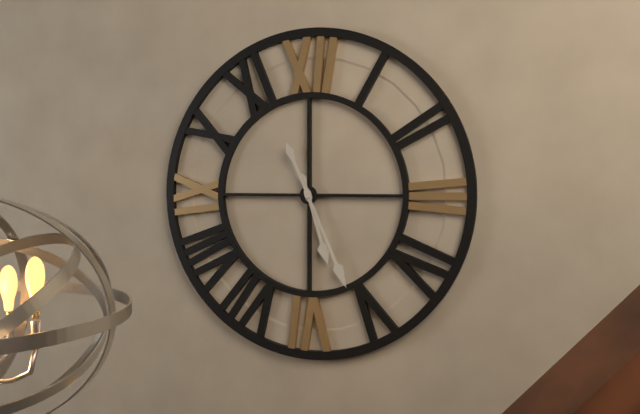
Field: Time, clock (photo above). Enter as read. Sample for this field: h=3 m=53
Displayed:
h=5 m=26
